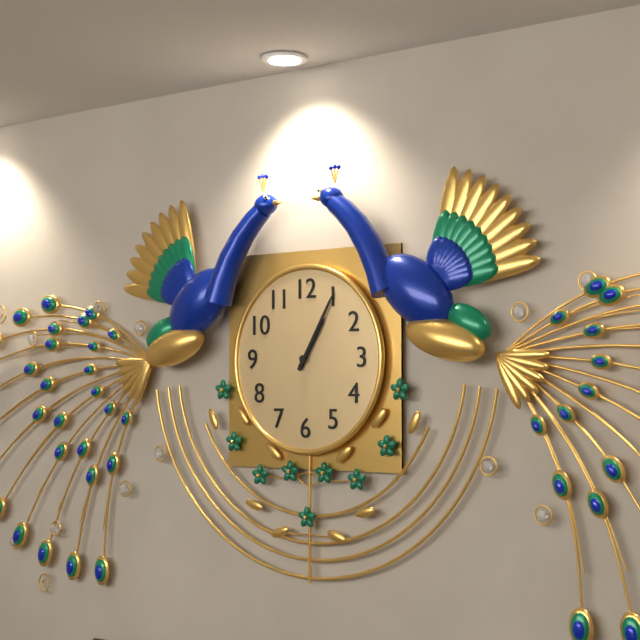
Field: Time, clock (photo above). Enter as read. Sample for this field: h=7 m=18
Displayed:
h=1 m=5
